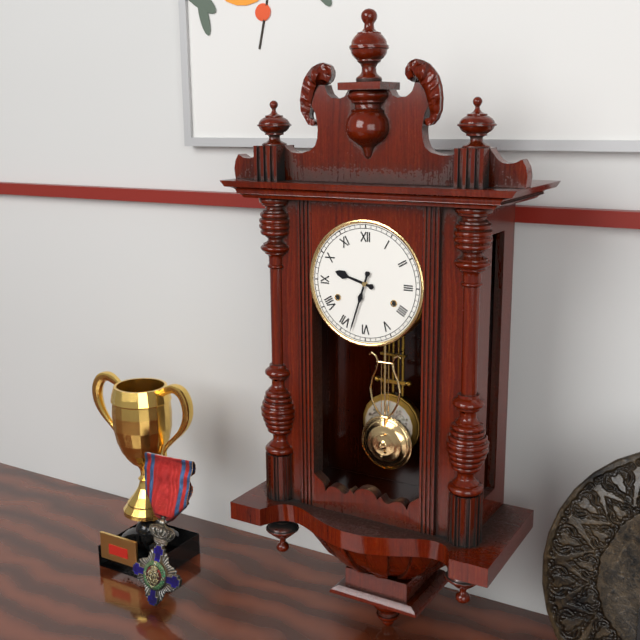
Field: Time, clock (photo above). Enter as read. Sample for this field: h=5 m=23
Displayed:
h=9 m=33
